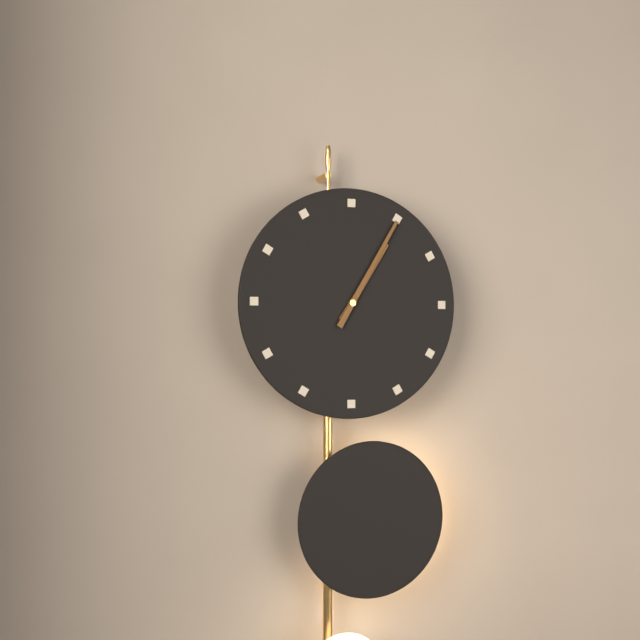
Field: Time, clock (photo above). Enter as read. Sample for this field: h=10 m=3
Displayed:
h=1 m=5
